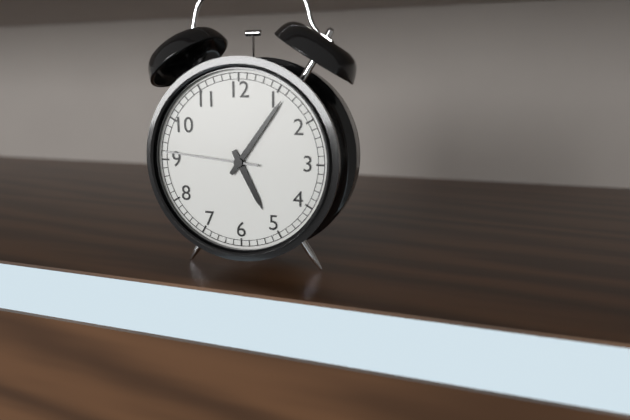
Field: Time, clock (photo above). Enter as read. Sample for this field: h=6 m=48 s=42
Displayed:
h=5 m=6 s=46
